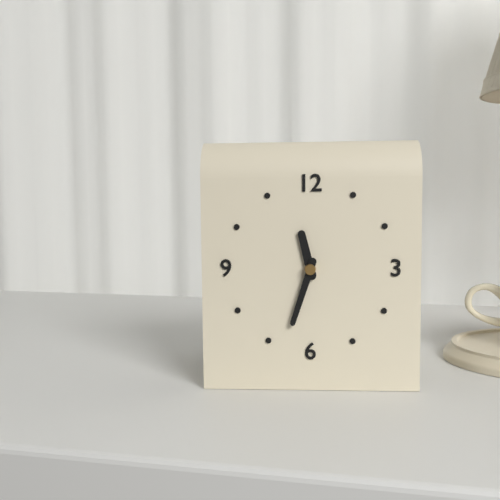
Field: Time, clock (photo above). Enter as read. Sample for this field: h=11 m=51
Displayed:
h=11 m=33
